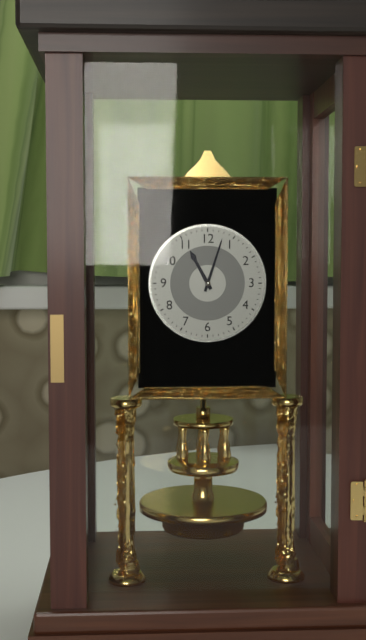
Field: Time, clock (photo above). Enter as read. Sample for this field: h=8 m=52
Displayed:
h=11 m=3
